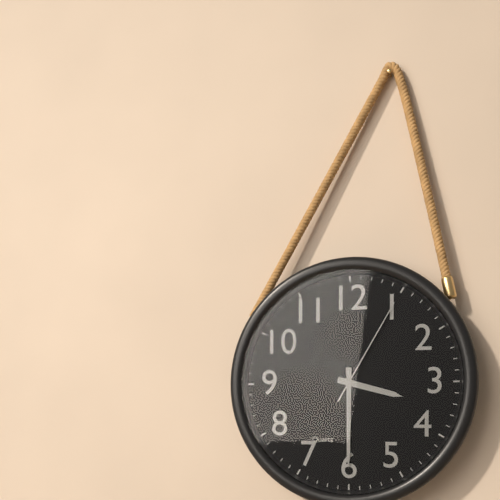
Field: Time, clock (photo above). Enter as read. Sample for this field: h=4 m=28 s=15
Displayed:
h=3 m=30 s=5
